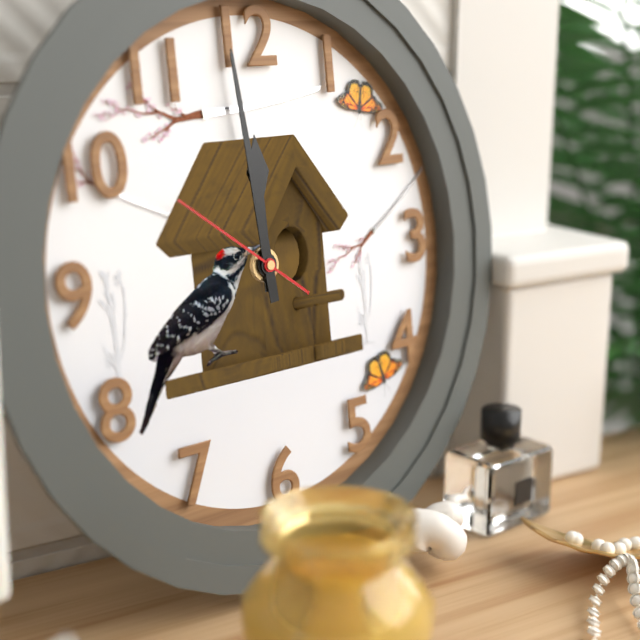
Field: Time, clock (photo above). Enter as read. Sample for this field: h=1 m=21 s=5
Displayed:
h=11 m=59 s=51
